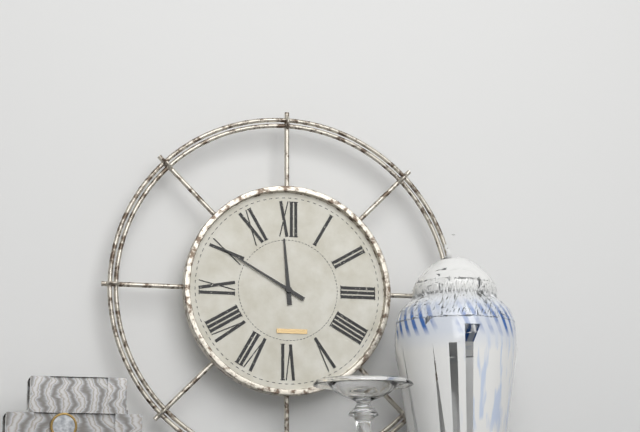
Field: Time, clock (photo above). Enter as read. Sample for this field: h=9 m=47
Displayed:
h=11 m=50
